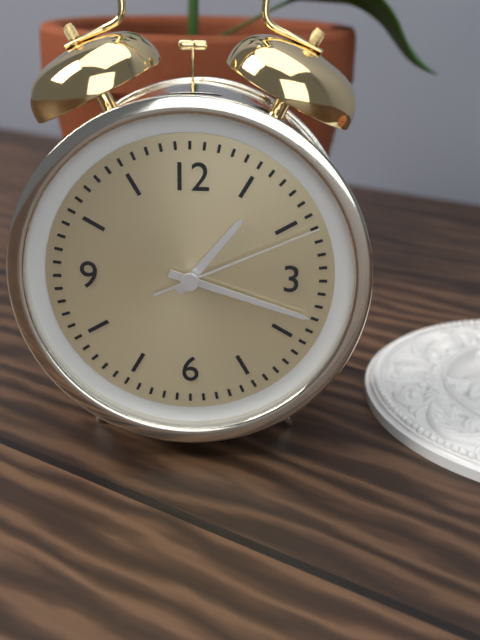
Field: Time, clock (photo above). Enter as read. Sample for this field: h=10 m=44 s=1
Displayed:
h=1 m=18 s=11
